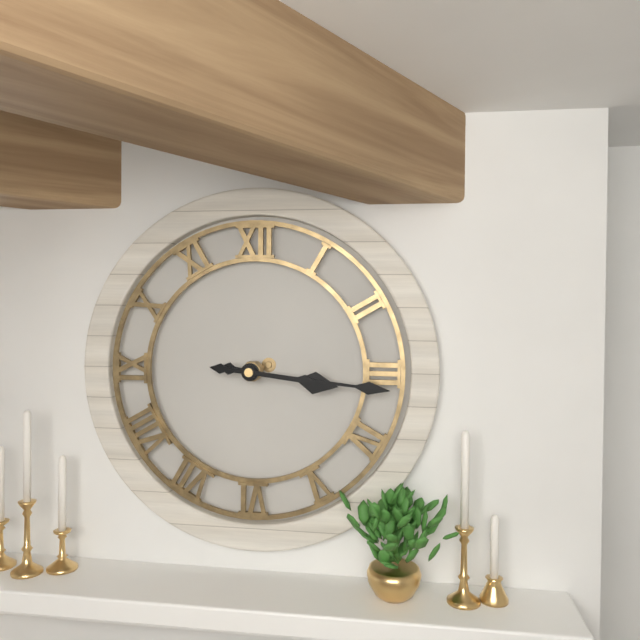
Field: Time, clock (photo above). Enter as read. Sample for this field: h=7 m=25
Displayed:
h=3 m=16
